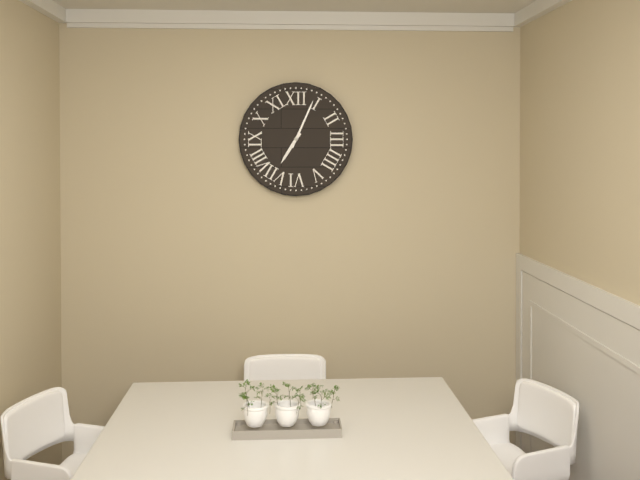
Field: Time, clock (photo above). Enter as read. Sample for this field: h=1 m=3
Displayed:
h=7 m=4
